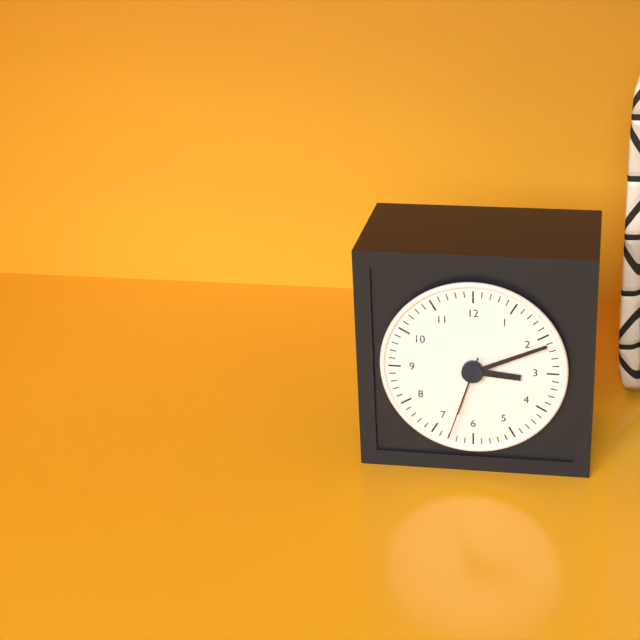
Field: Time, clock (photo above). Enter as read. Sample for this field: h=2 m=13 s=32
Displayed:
h=3 m=11 s=33
